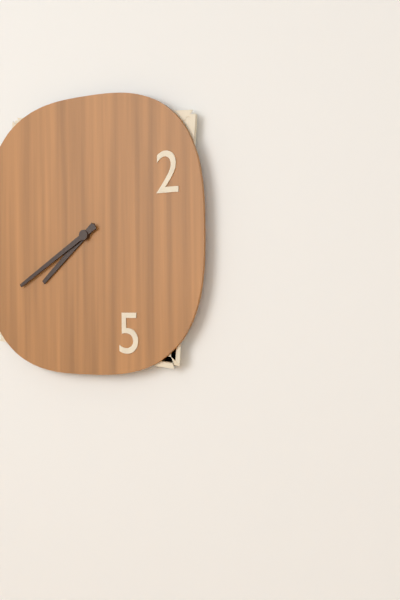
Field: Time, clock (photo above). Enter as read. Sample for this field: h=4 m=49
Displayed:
h=7 m=40
